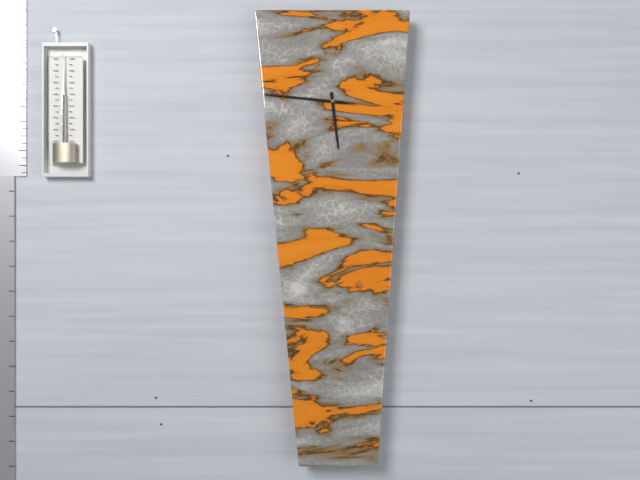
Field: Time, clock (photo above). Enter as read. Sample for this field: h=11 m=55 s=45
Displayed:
h=5 m=46 s=46
